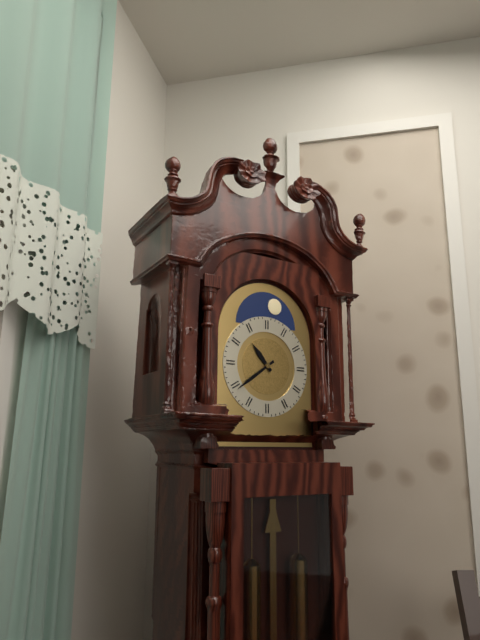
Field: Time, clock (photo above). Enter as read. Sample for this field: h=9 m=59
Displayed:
h=10 m=39
